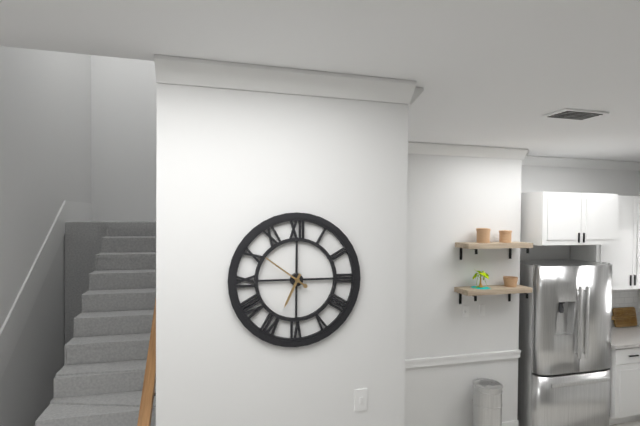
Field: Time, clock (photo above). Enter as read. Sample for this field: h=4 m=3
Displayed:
h=6 m=51
